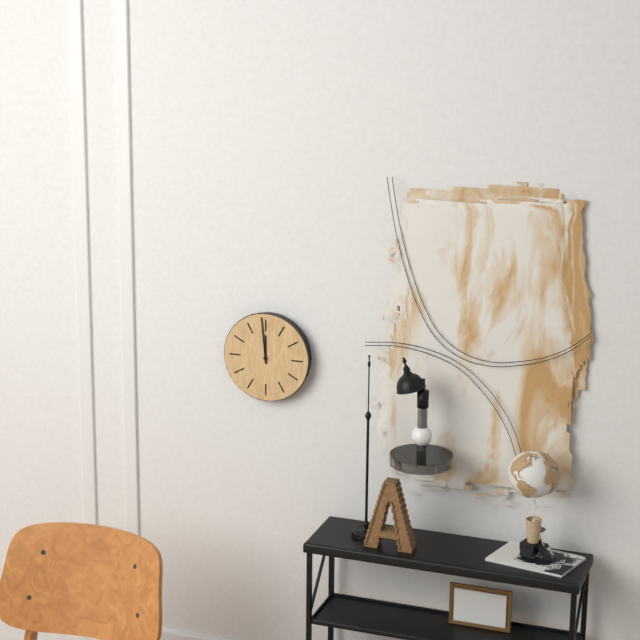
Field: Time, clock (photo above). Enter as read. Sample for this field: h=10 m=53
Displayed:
h=11 m=59
